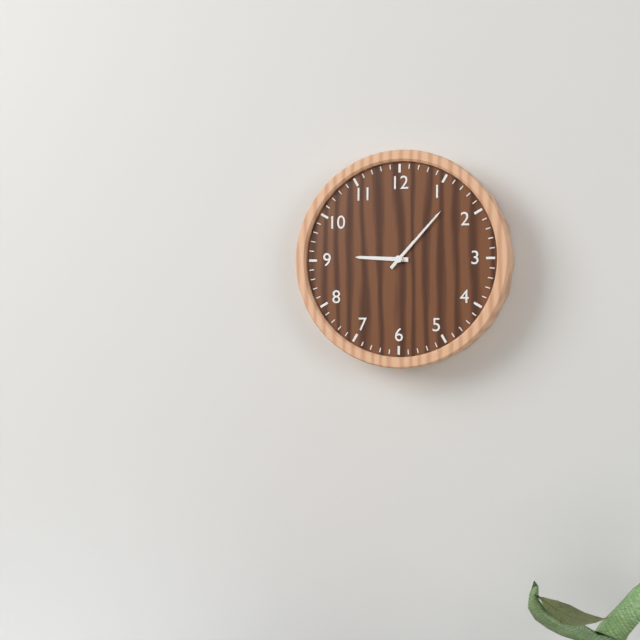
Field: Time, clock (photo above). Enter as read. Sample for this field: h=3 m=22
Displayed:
h=9 m=7
